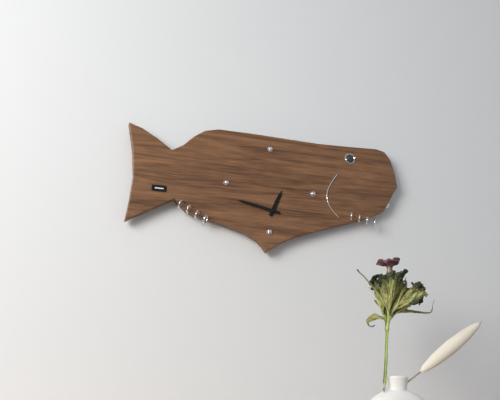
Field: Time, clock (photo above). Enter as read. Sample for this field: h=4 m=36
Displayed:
h=12 m=47
